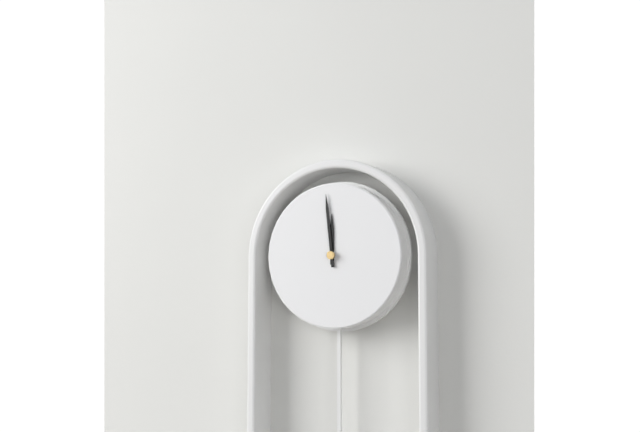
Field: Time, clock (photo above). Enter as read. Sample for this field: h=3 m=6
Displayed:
h=11 m=59
